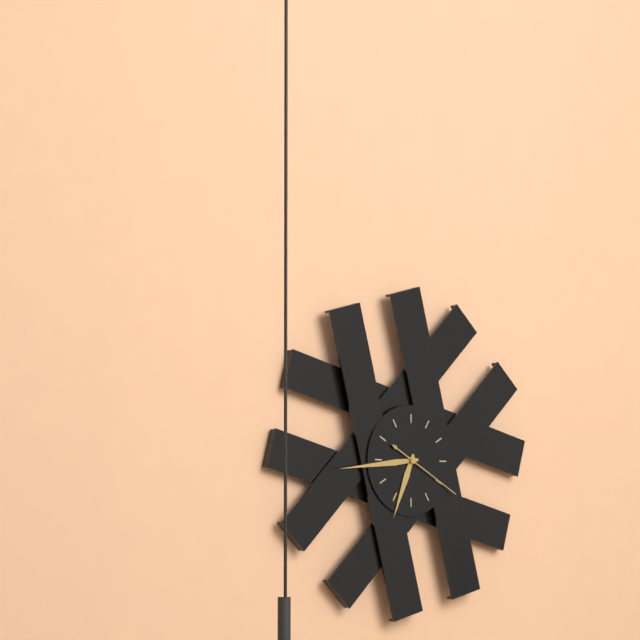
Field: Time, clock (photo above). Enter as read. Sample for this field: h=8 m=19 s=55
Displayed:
h=6 m=44 s=20
